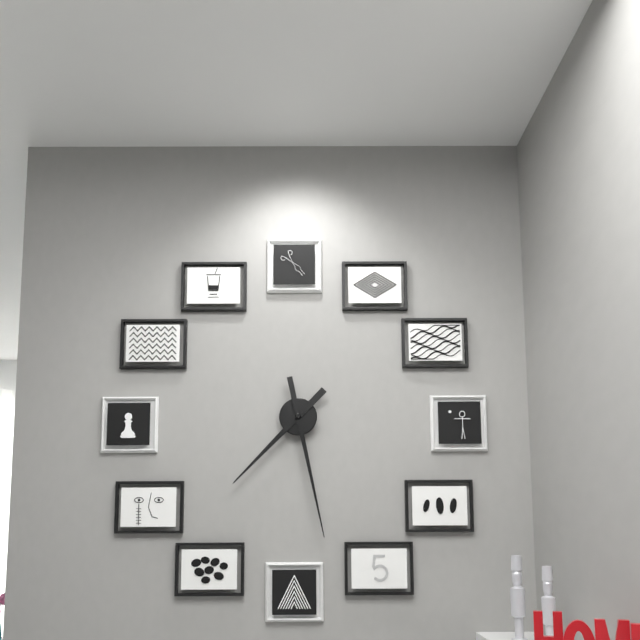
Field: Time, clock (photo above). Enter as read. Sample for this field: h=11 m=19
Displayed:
h=7 m=28
